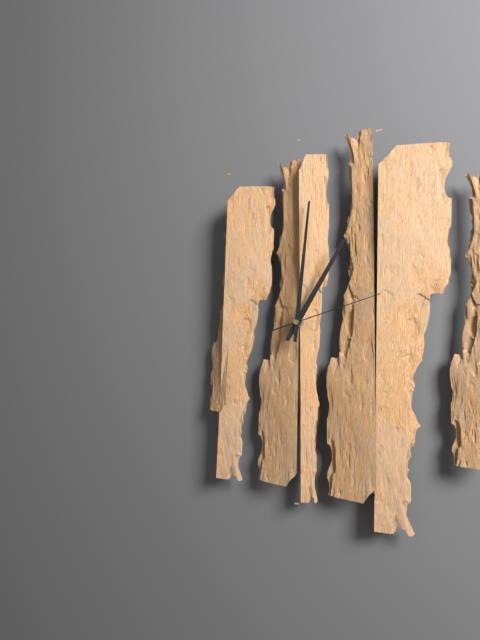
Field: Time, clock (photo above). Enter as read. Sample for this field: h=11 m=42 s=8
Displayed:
h=1 m=1 s=12
